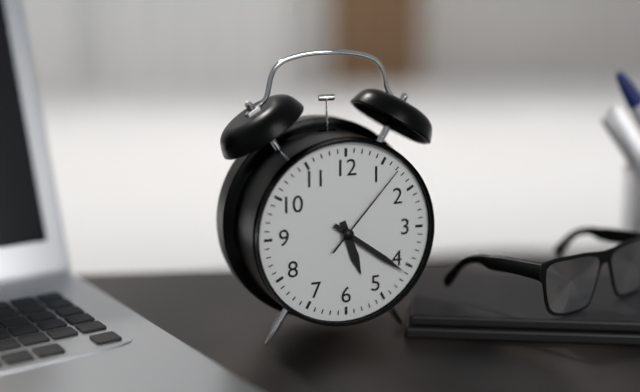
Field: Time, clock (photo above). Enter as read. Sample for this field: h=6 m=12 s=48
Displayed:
h=5 m=21 s=7
